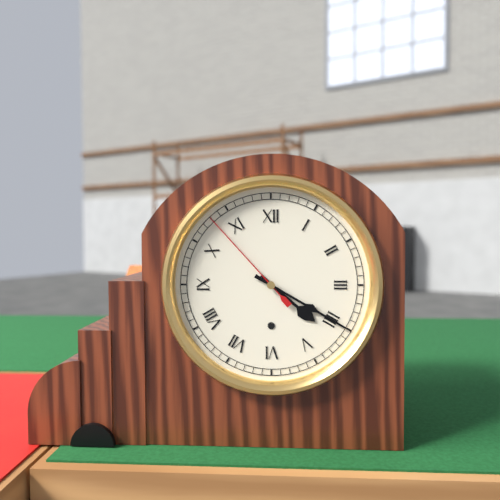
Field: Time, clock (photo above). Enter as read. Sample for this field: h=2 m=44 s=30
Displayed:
h=4 m=20 s=53
